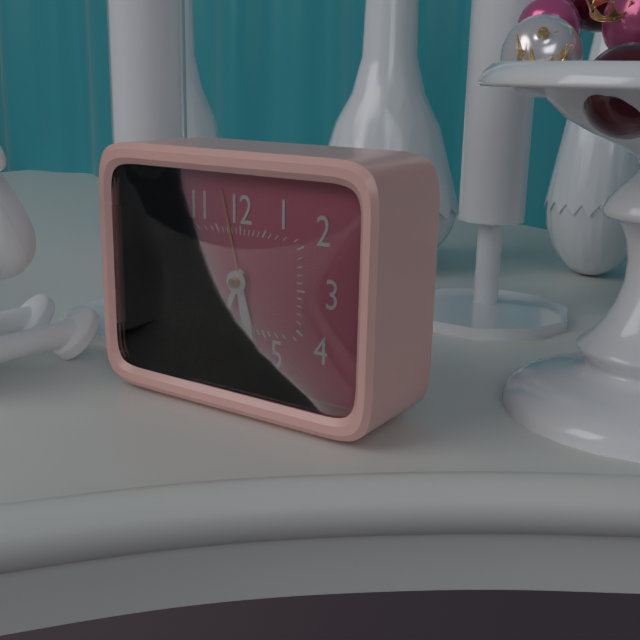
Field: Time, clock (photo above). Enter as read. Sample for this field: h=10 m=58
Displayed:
h=5 m=34
